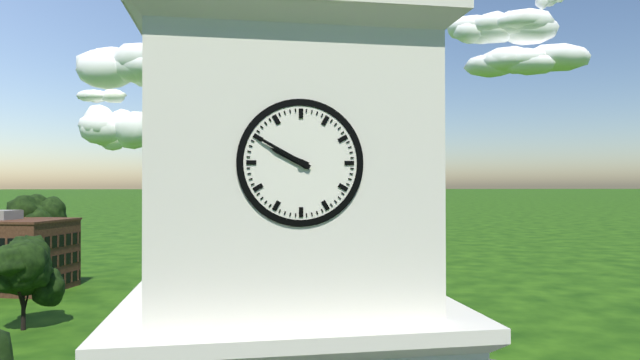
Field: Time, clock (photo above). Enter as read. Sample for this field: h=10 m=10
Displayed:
h=9 m=50
